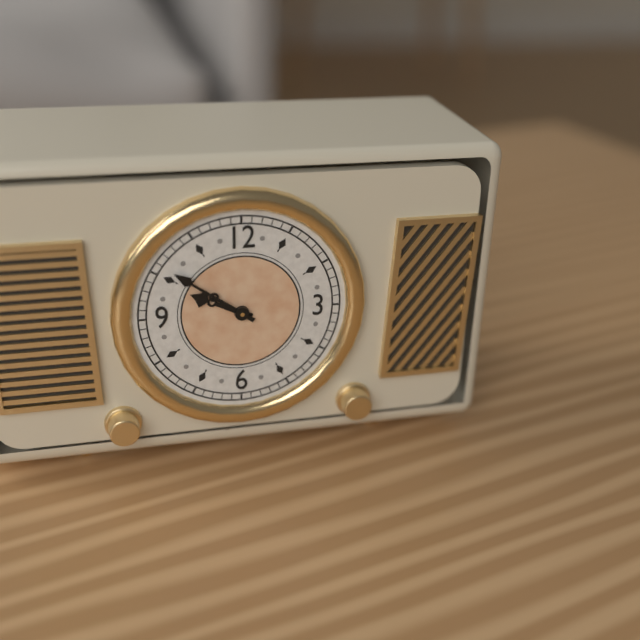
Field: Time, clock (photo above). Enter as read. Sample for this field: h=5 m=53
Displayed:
h=9 m=51
